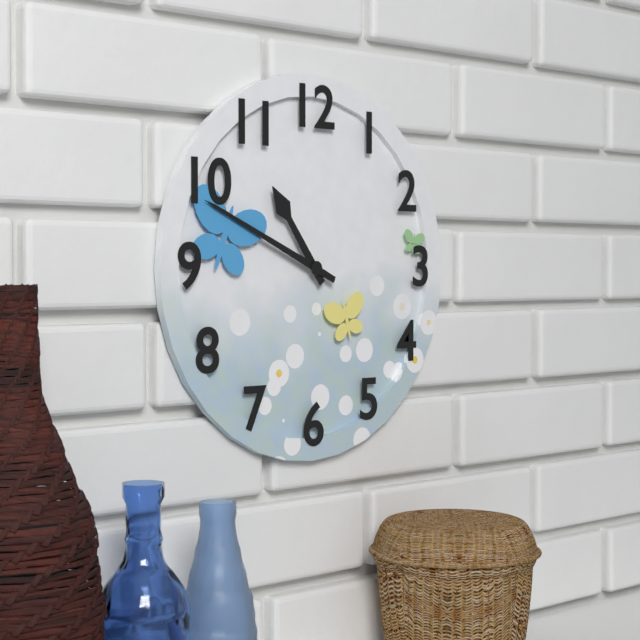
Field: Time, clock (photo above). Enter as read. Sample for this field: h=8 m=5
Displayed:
h=10 m=49
